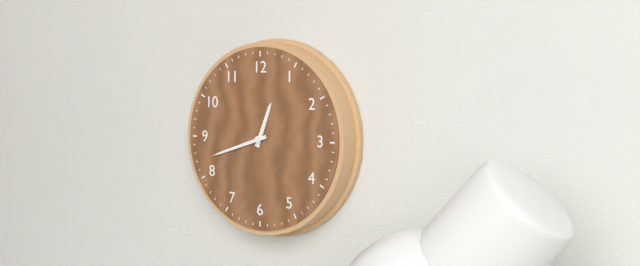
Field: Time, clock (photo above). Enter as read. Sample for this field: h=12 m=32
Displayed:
h=12 m=42
